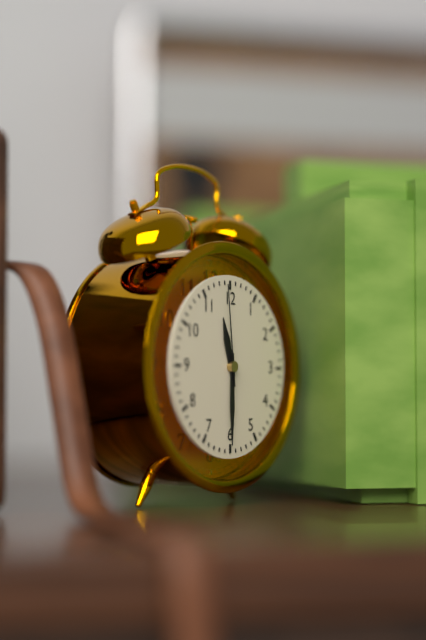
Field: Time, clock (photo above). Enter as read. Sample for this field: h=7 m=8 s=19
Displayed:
h=11 m=30 s=59
